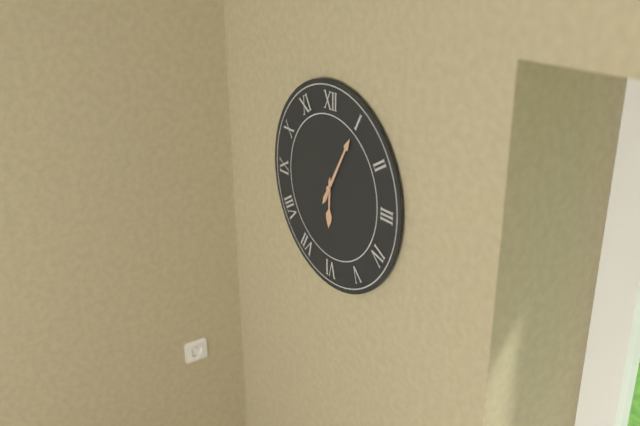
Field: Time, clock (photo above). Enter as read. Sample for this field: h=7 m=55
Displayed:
h=6 m=5
